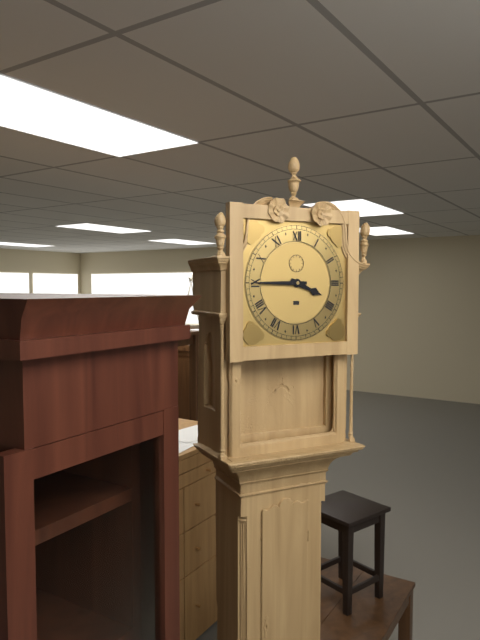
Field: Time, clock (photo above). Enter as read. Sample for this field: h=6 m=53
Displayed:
h=3 m=45
